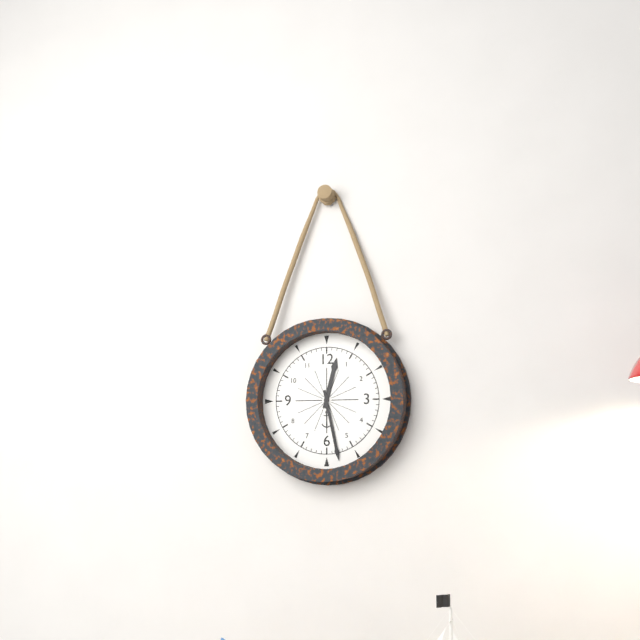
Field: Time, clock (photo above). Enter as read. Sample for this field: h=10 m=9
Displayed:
h=12 m=28
